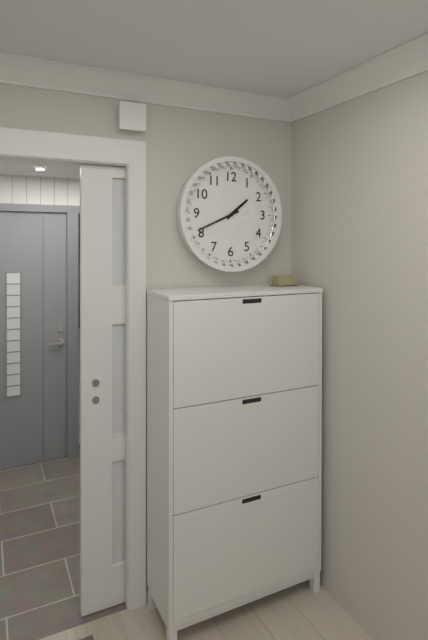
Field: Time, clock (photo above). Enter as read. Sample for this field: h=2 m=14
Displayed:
h=1 m=41
